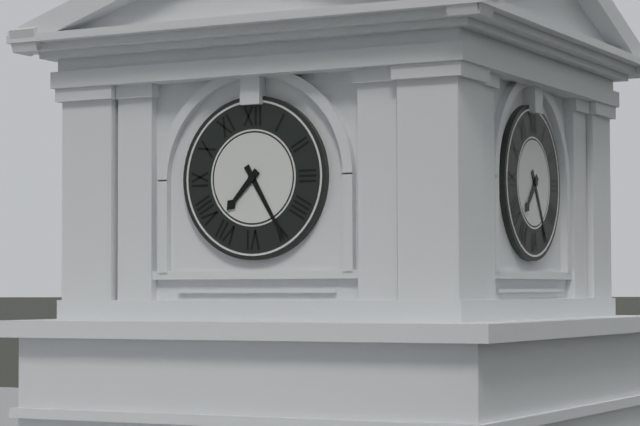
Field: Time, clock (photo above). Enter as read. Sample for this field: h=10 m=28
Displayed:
h=7 m=25
